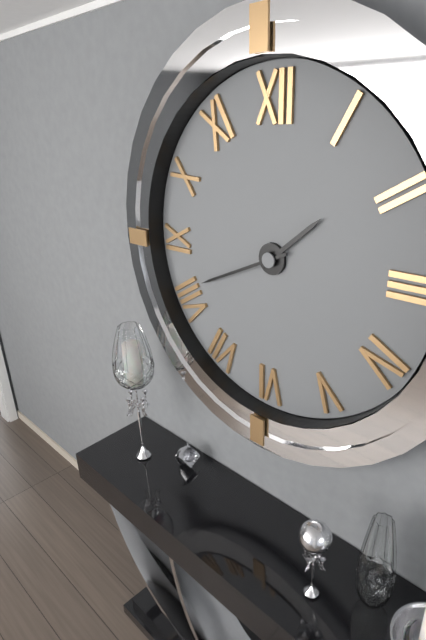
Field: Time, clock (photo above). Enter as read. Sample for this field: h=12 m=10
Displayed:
h=1 m=41
